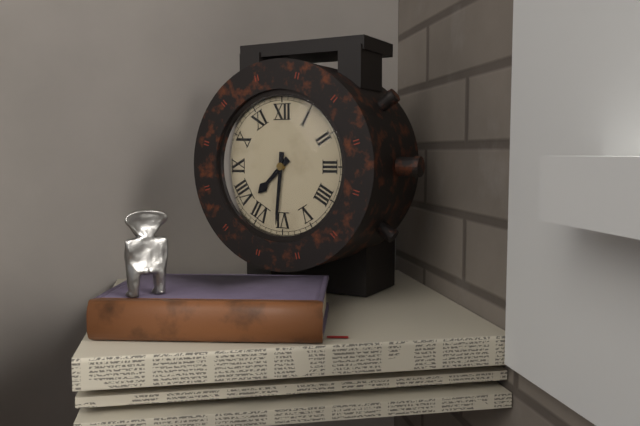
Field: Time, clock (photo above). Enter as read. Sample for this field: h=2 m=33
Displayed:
h=7 m=31
